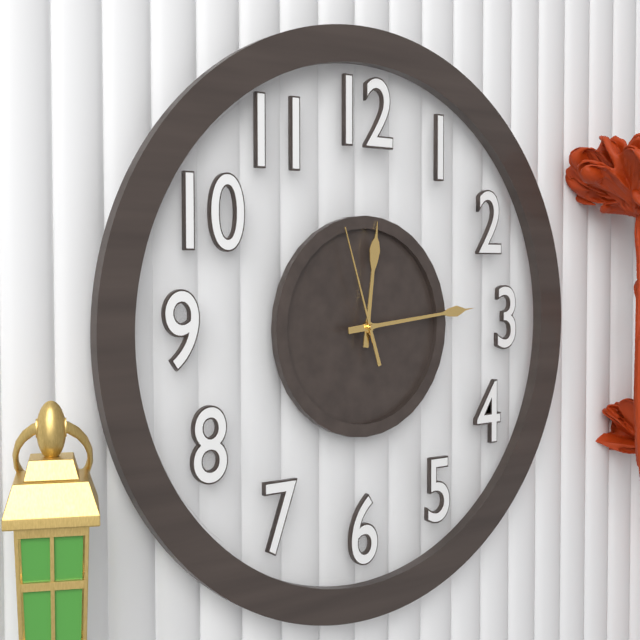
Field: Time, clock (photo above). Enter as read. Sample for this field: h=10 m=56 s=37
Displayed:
h=12 m=14 s=57
